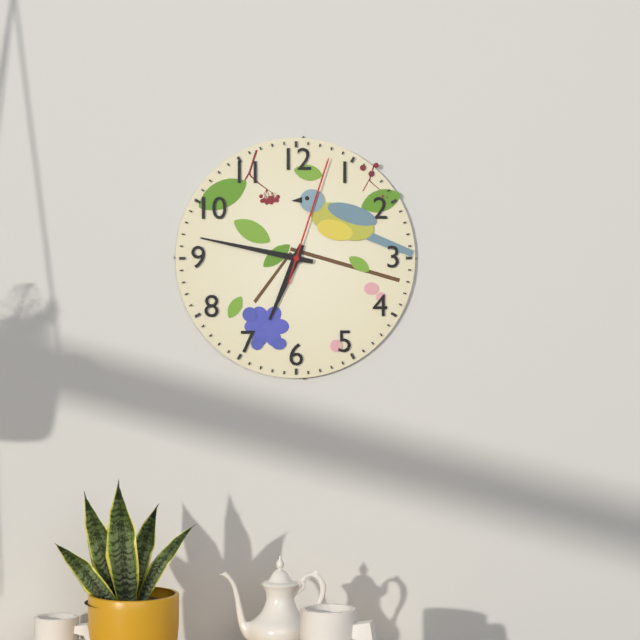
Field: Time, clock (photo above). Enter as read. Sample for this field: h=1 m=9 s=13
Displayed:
h=6 m=47 s=3
